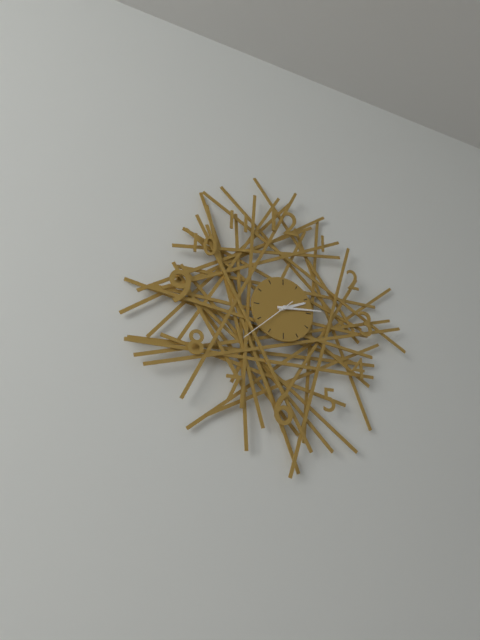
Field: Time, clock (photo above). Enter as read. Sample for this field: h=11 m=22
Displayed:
h=2 m=14
